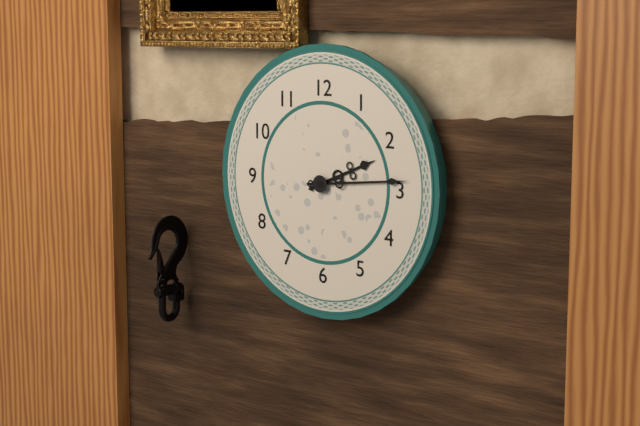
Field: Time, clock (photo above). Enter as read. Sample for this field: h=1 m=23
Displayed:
h=2 m=14
